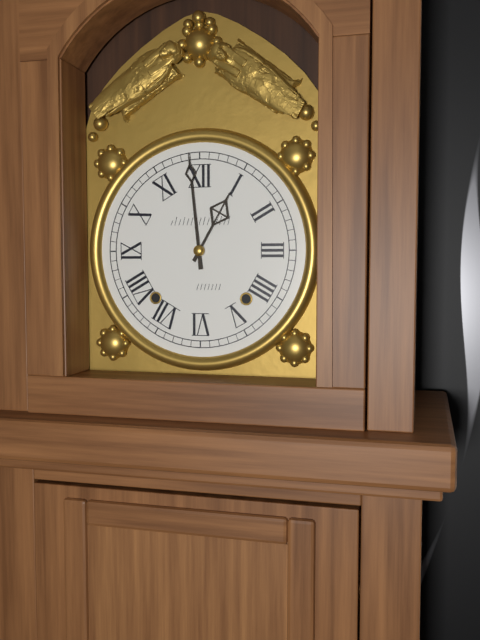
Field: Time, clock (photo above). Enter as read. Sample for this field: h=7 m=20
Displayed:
h=12 m=59
